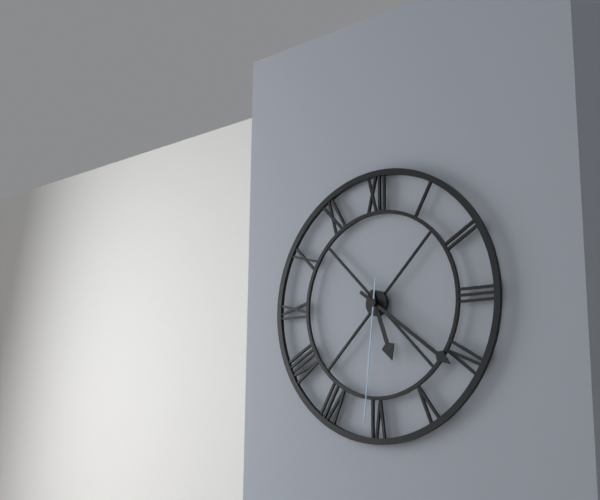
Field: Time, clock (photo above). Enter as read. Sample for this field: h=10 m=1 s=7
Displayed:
h=5 m=21 s=31
